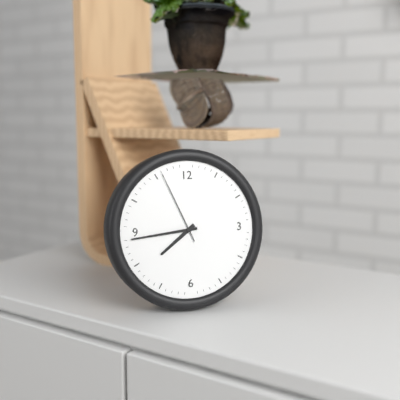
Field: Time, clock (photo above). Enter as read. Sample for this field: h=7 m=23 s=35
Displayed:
h=7 m=44 s=56
